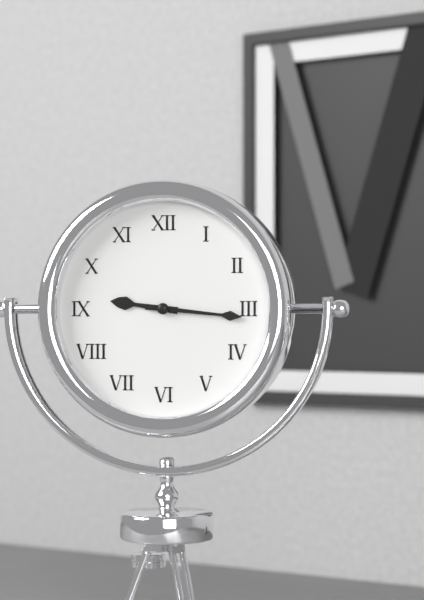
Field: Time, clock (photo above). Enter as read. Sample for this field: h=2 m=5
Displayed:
h=9 m=16
